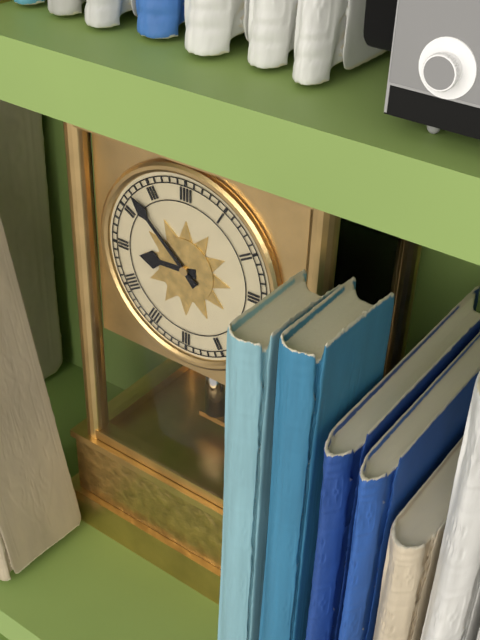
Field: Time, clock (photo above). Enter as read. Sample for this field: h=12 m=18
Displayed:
h=8 m=52
